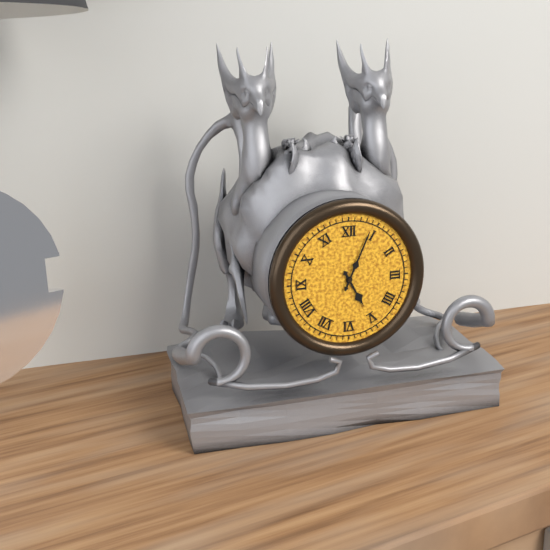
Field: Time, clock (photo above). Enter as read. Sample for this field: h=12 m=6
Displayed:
h=5 m=4
